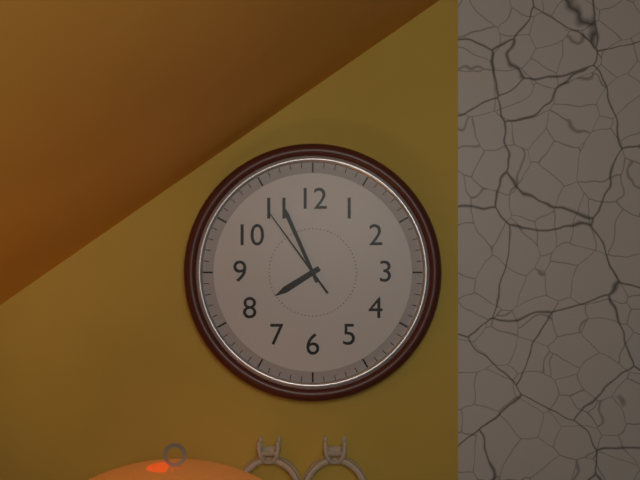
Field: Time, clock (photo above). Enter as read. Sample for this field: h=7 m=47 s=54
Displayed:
h=7 m=56 s=54
